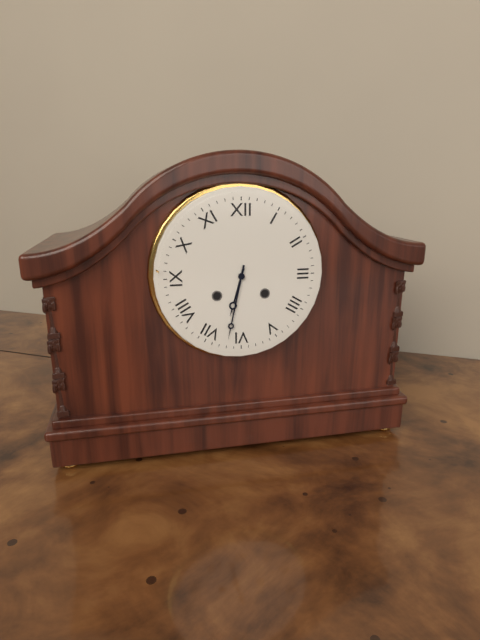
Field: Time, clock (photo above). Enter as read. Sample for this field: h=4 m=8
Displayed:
h=6 m=32
